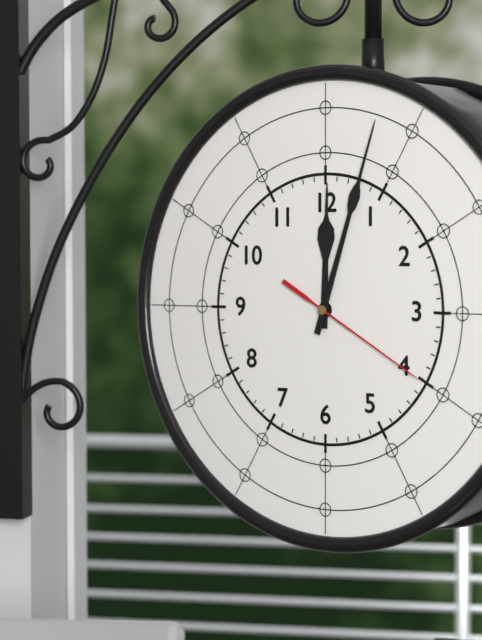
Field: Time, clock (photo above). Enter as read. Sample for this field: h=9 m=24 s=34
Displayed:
h=12 m=3 s=20
